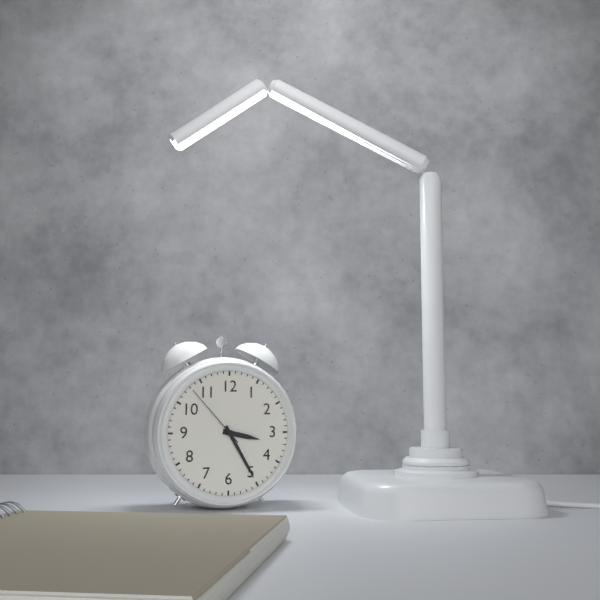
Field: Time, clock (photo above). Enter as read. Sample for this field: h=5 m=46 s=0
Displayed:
h=3 m=25 s=53
